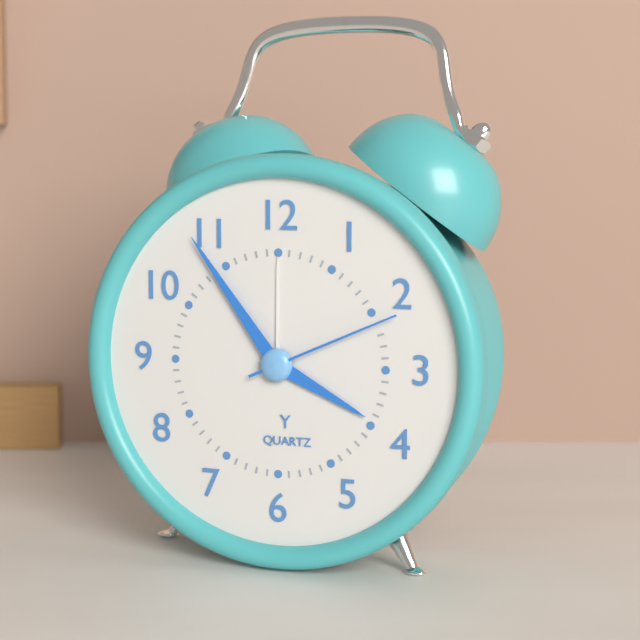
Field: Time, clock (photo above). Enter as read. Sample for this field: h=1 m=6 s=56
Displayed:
h=3 m=54 s=11
